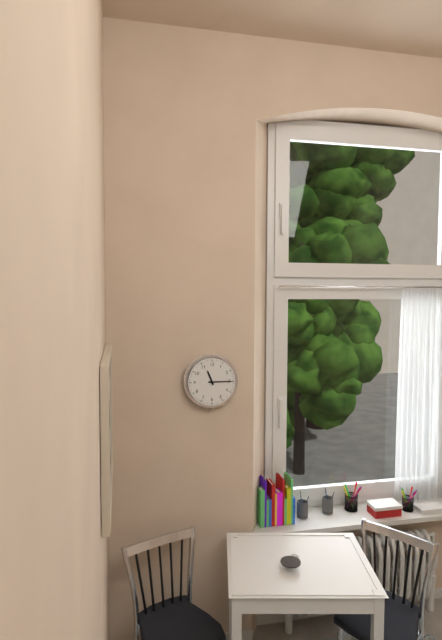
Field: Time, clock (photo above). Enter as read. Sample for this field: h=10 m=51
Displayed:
h=11 m=15
